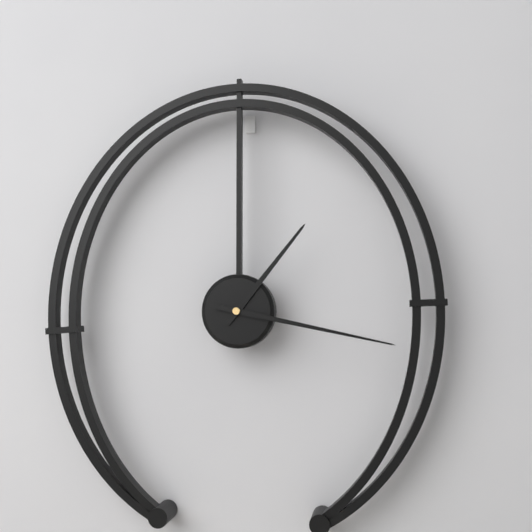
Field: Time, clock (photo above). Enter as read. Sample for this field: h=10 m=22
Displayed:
h=1 m=17
